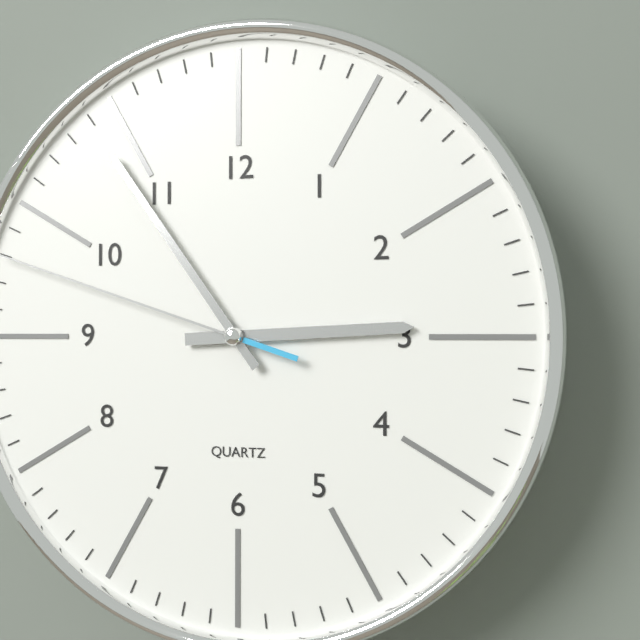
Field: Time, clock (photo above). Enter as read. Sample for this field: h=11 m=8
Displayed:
h=2 m=54
